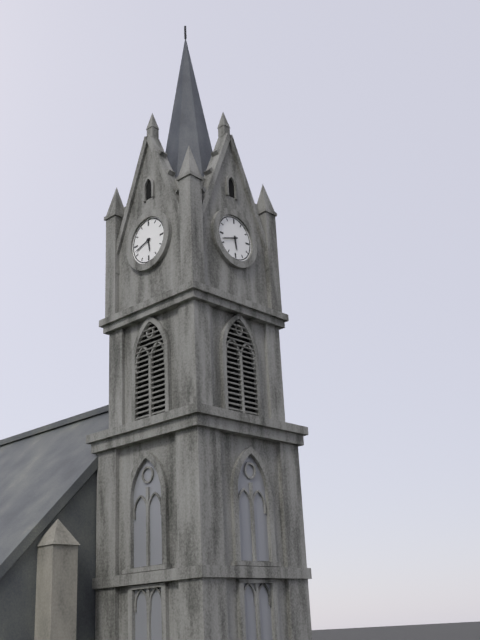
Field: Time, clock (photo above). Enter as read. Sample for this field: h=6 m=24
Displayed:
h=5 m=42
